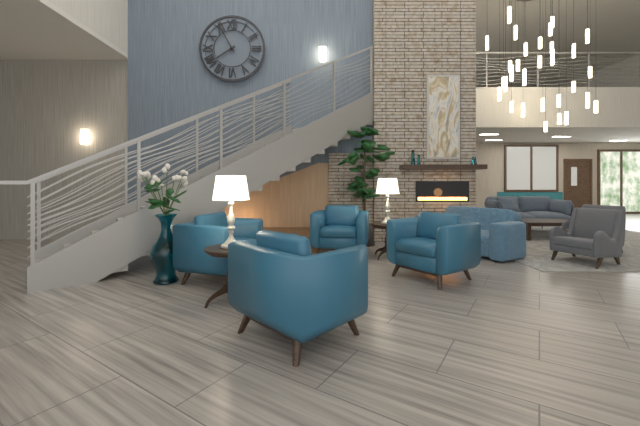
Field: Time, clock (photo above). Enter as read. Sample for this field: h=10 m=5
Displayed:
h=7 m=55
